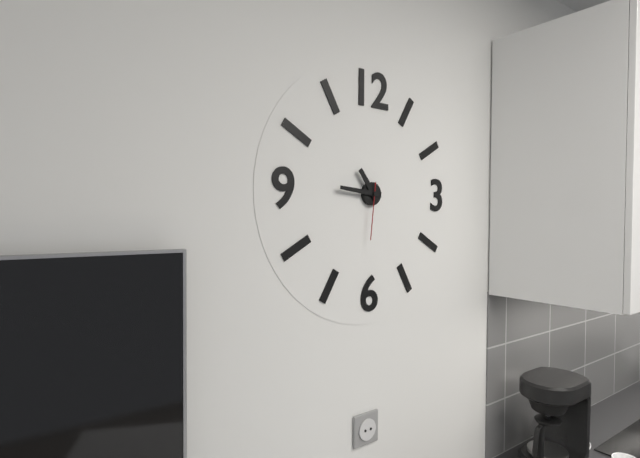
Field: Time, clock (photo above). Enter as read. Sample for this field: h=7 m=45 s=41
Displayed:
h=10 m=46 s=31
